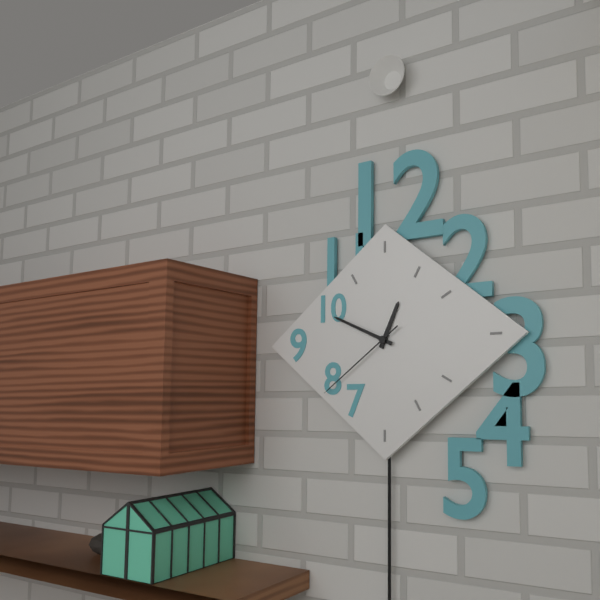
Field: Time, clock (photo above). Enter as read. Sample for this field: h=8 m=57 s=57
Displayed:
h=12 m=49 s=39
